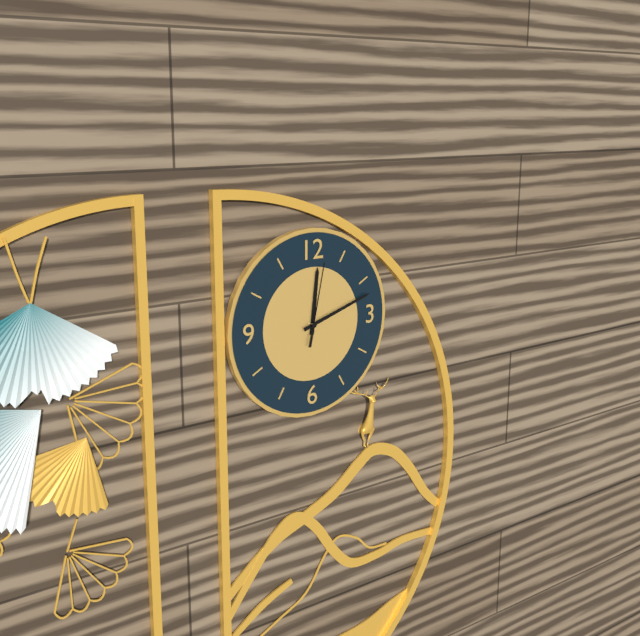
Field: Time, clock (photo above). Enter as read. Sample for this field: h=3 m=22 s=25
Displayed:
h=12 m=12 s=2
